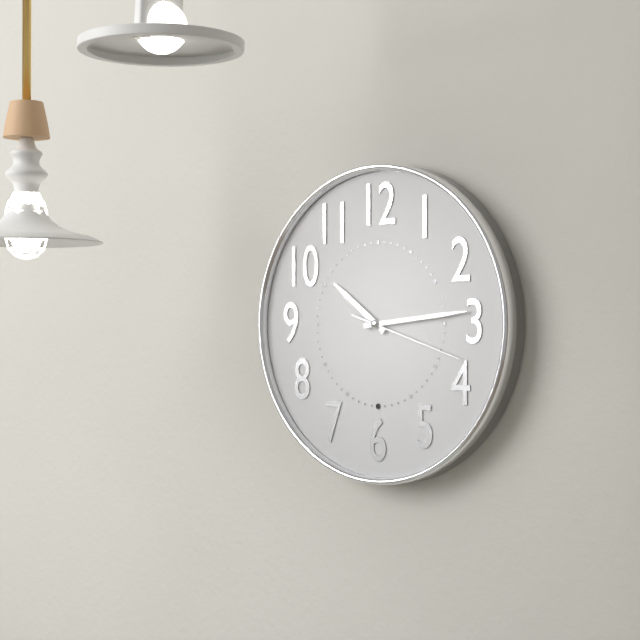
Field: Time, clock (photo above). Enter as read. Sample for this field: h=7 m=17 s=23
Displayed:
h=10 m=14 s=18
